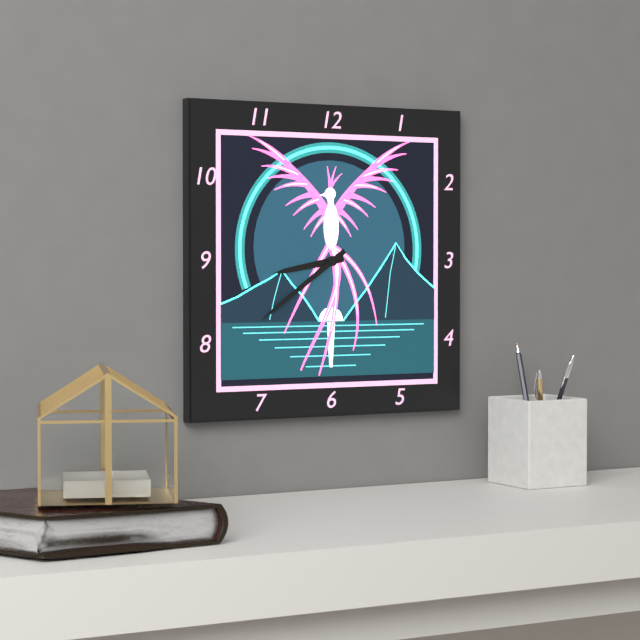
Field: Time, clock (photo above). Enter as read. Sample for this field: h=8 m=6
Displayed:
h=8 m=39
